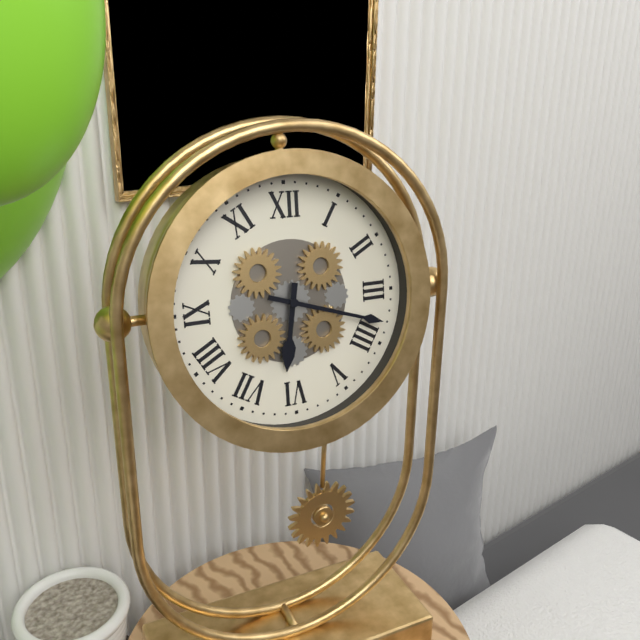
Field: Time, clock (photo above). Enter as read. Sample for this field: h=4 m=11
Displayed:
h=6 m=18
